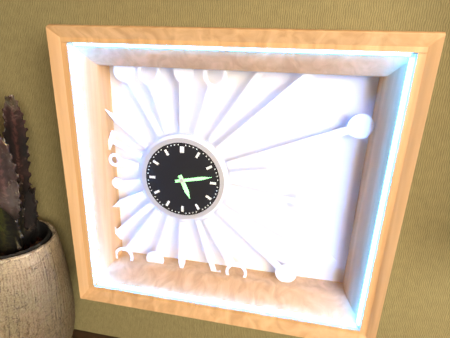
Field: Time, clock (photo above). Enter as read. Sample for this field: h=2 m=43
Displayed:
h=5 m=13
